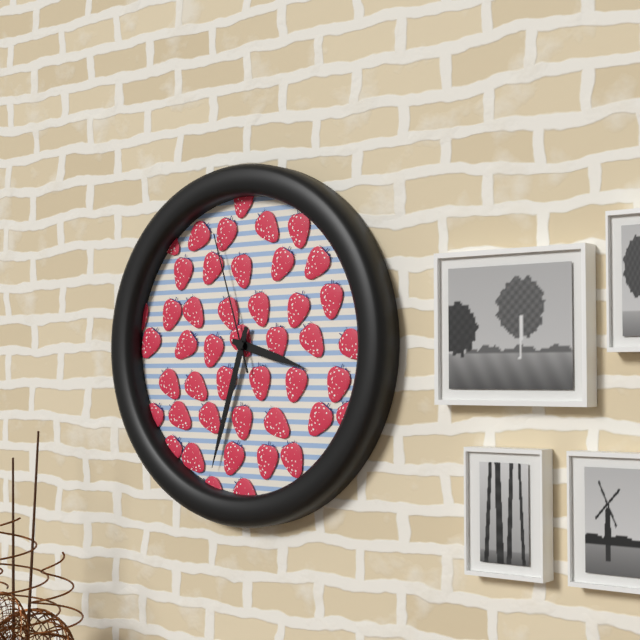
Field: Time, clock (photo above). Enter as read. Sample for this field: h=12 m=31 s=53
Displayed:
h=3 m=33 s=57
